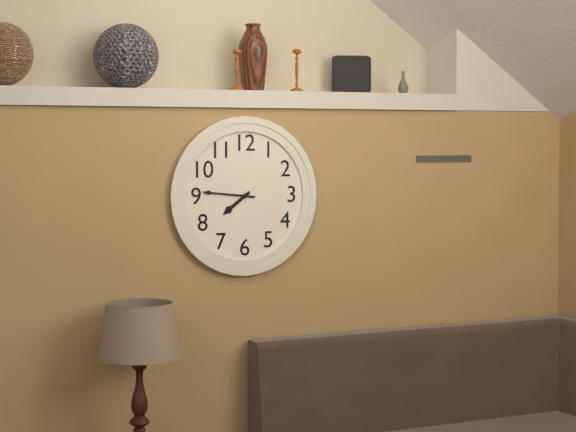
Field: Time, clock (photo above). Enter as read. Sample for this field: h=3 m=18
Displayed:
h=7 m=46
